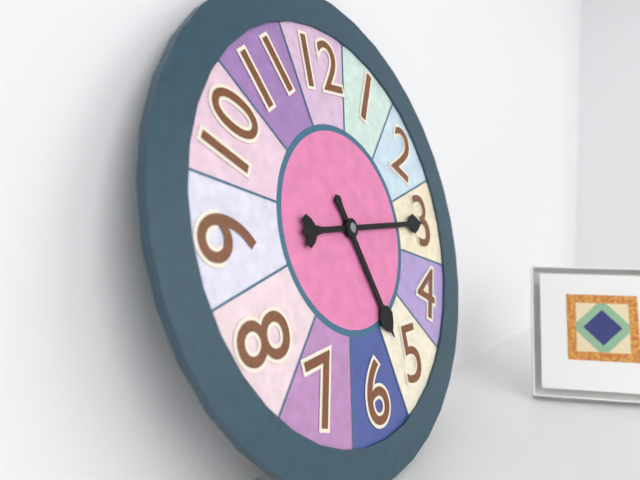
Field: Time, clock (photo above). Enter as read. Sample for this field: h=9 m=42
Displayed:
h=5 m=15
